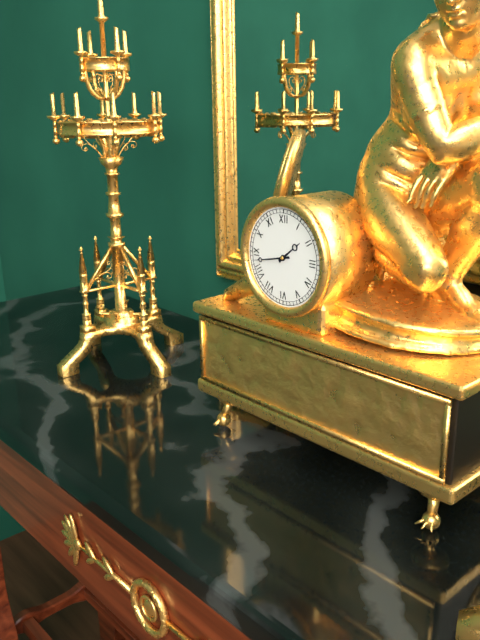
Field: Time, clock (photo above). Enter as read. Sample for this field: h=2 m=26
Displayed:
h=1 m=43
